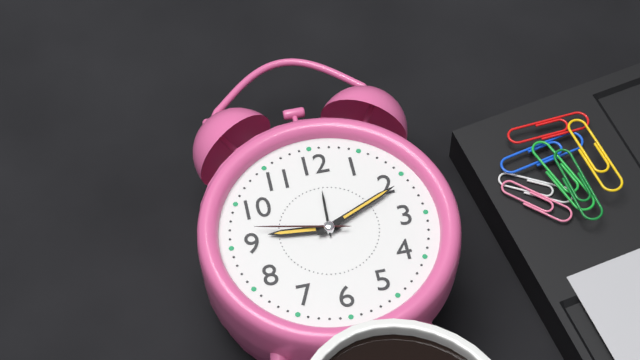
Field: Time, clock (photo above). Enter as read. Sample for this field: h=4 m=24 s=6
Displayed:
h=9 m=11 s=47
